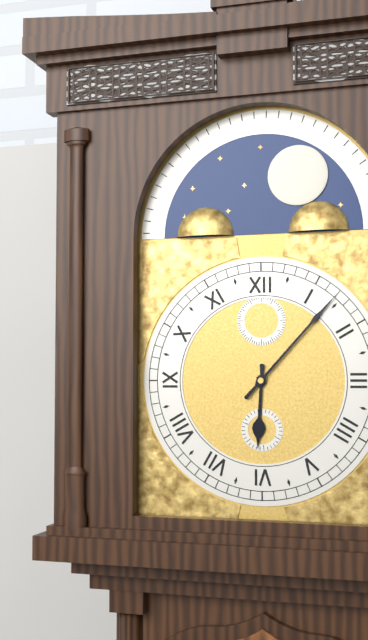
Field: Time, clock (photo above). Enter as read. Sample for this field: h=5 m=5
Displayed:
h=6 m=7
